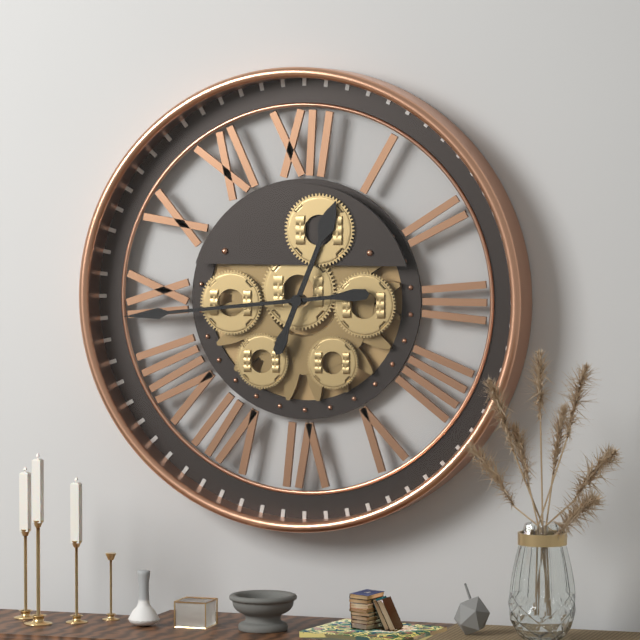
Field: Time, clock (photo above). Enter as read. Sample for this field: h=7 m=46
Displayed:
h=12 m=44
